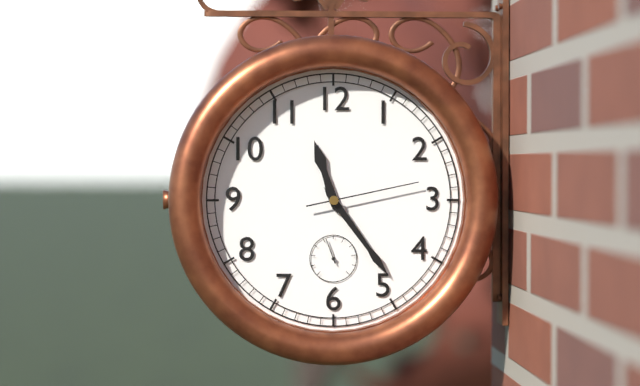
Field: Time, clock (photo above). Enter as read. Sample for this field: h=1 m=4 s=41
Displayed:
h=11 m=24 s=13
